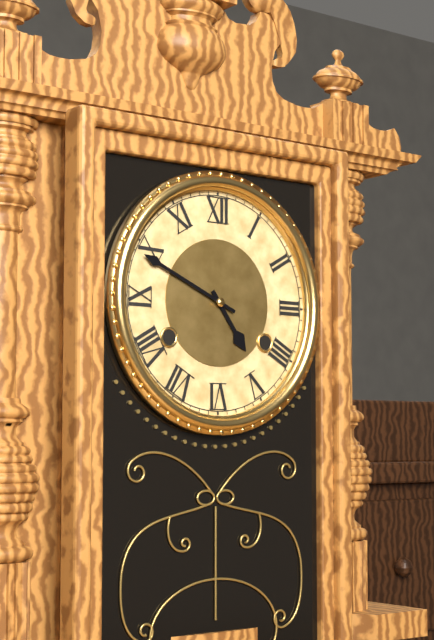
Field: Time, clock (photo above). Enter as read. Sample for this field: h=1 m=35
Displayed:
h=4 m=49
